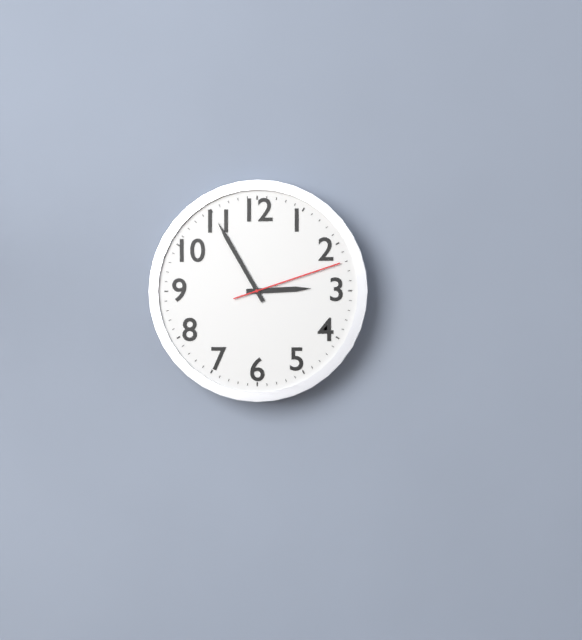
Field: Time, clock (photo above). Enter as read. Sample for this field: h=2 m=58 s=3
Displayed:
h=2 m=55 s=12
